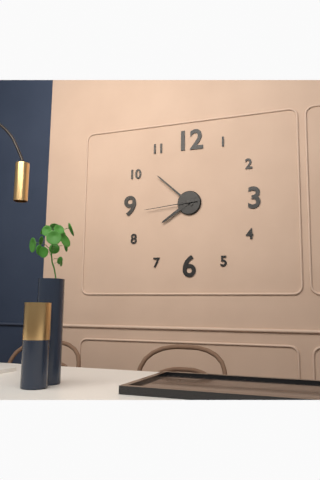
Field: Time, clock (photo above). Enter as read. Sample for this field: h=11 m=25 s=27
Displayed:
h=7 m=52 s=44
